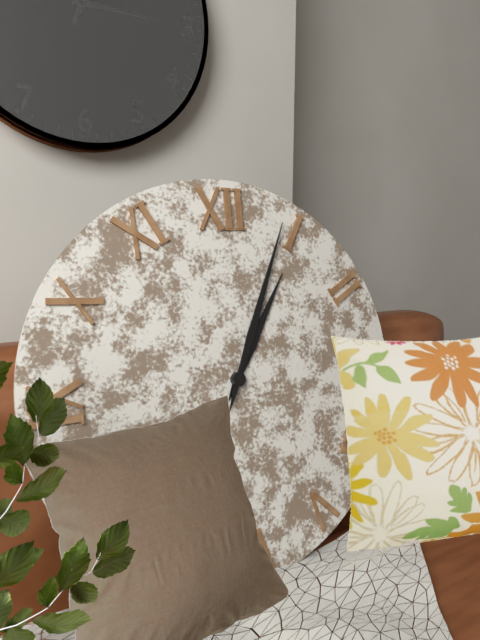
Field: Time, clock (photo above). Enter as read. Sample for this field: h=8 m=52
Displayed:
h=1 m=4
